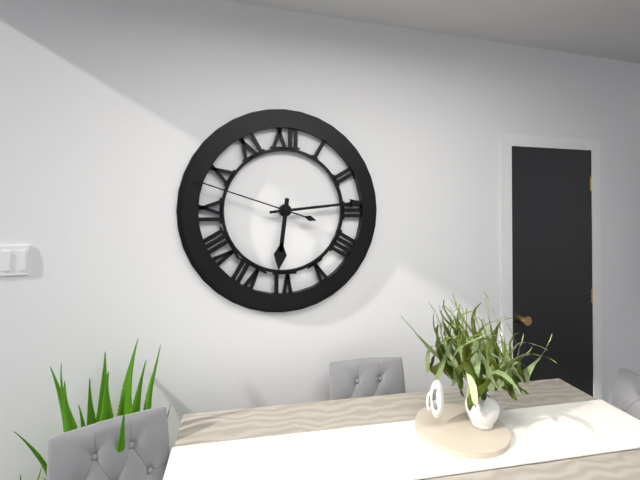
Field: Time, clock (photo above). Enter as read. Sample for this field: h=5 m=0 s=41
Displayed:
h=6 m=14 s=48
